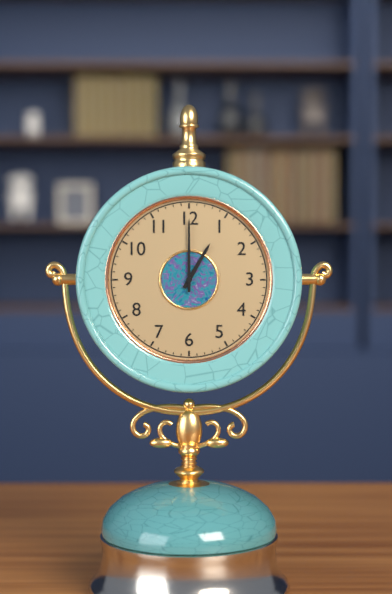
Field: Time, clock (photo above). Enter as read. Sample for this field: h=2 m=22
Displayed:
h=1 m=0
